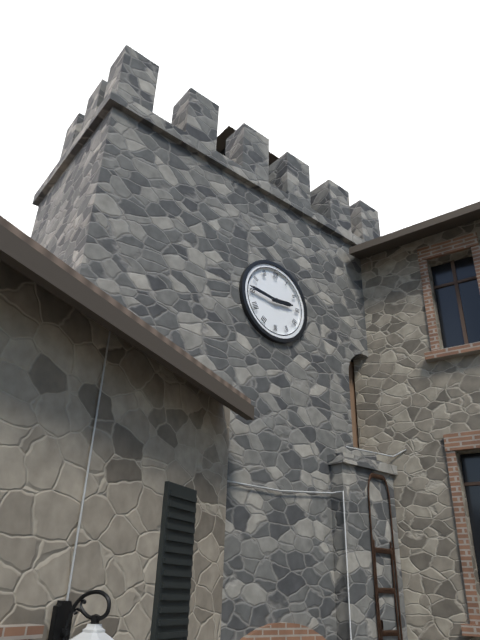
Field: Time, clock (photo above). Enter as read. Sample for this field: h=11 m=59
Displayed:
h=2 m=46
